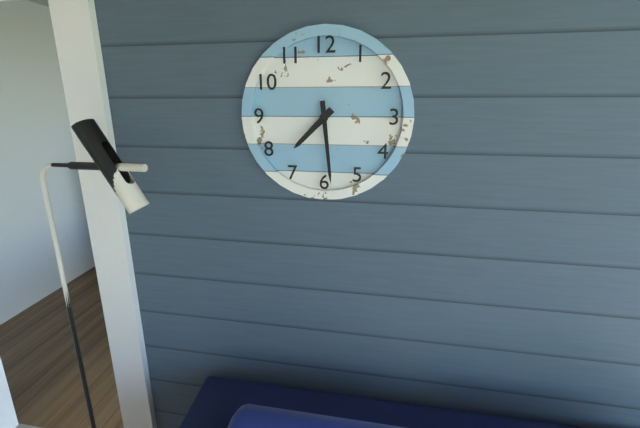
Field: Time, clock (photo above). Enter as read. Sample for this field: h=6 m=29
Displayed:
h=7 m=29
